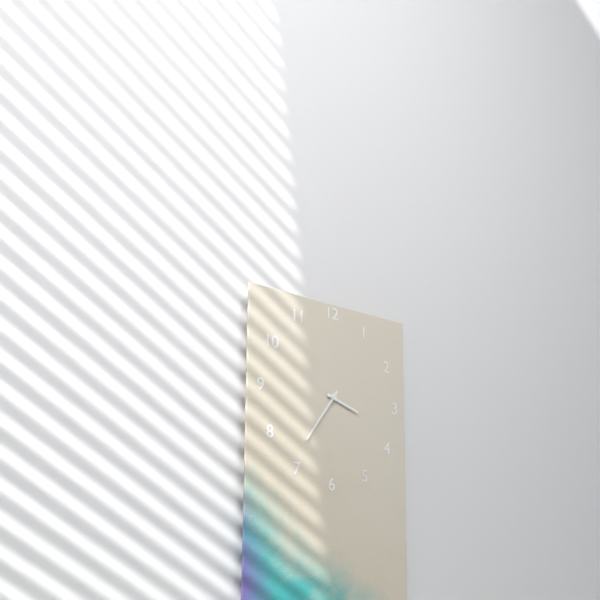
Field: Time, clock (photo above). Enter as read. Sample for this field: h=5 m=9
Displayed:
h=3 m=36
